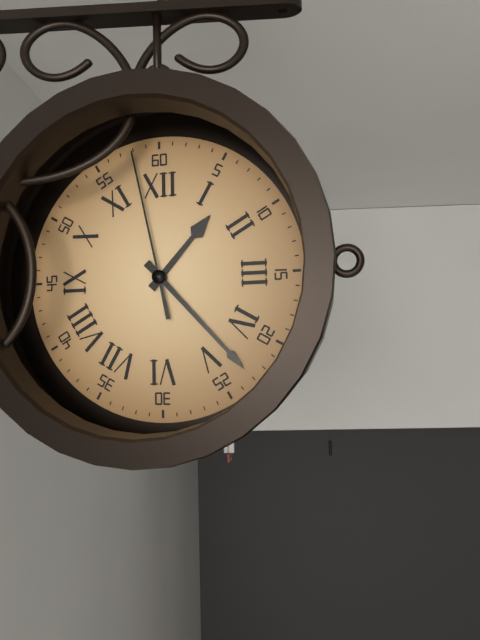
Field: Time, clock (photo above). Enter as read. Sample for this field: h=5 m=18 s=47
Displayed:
h=1 m=23 s=58
